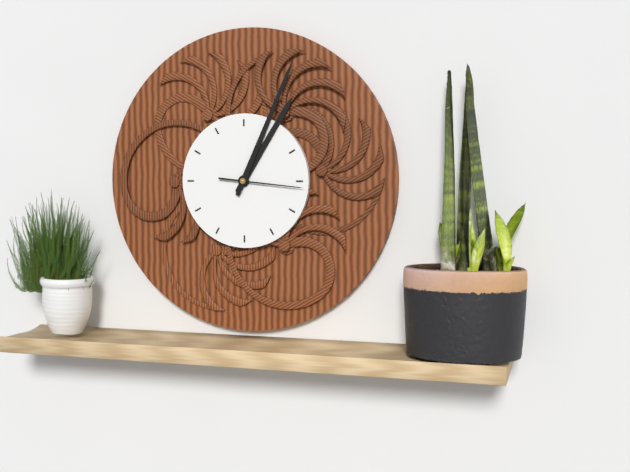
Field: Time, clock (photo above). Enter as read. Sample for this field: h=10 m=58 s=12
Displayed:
h=1 m=4 s=16
